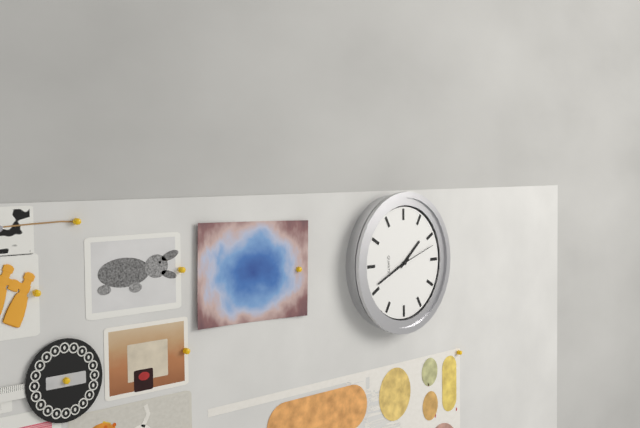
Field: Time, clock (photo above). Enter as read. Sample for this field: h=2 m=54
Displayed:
h=1 m=41
